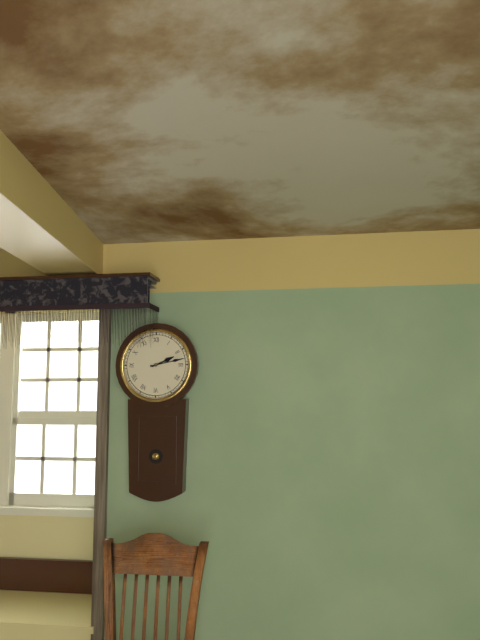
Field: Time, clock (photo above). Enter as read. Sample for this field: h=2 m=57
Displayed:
h=2 m=13
